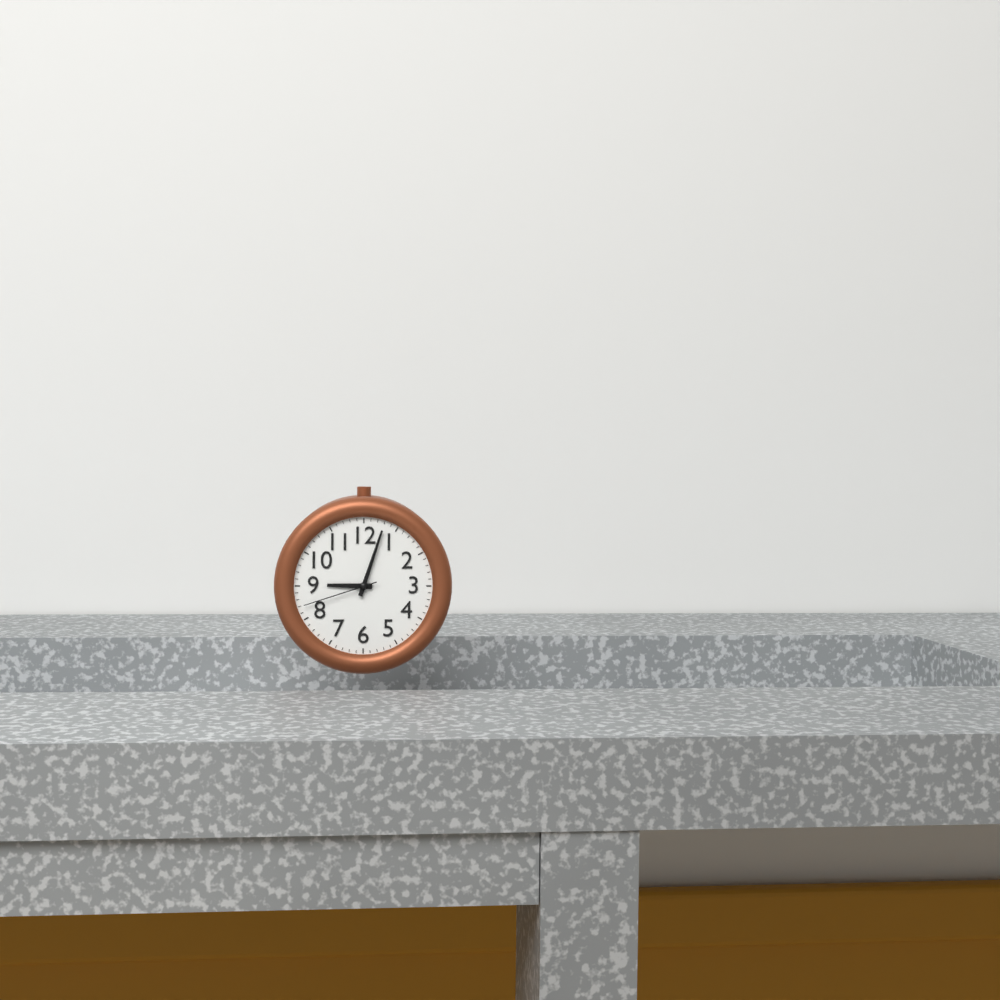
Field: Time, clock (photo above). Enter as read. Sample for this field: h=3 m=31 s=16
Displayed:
h=9 m=3 s=42
